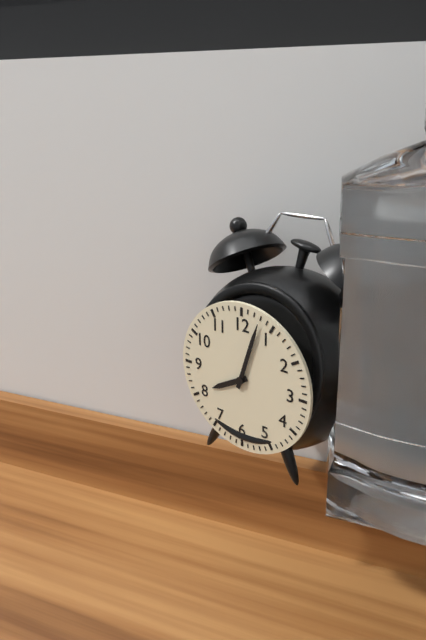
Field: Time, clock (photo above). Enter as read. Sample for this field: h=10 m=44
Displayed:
h=8 m=3
